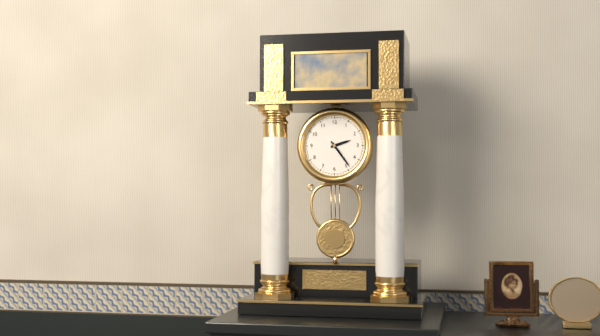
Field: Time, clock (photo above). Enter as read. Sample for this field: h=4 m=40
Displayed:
h=2 m=24
